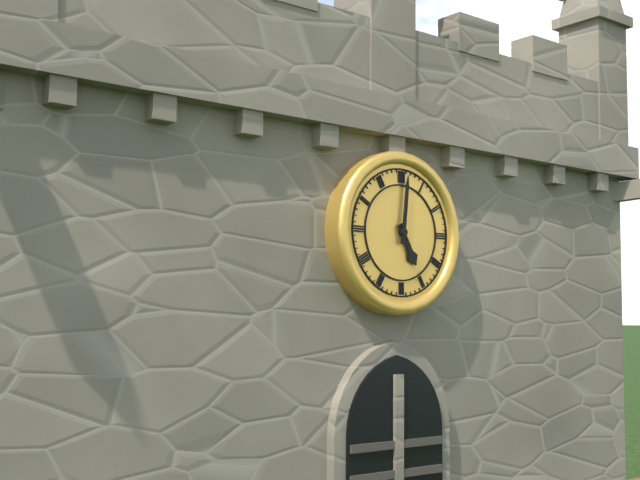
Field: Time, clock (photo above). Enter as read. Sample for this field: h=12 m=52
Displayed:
h=5 m=1
